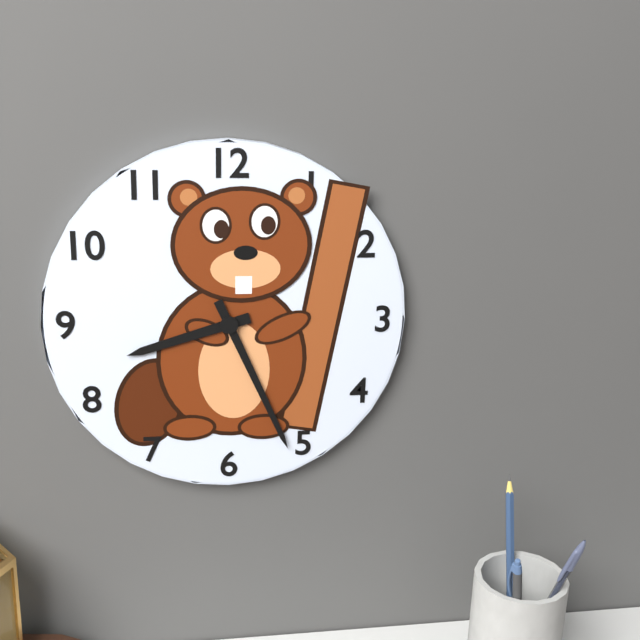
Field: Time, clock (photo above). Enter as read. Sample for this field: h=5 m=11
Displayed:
h=8 m=26
